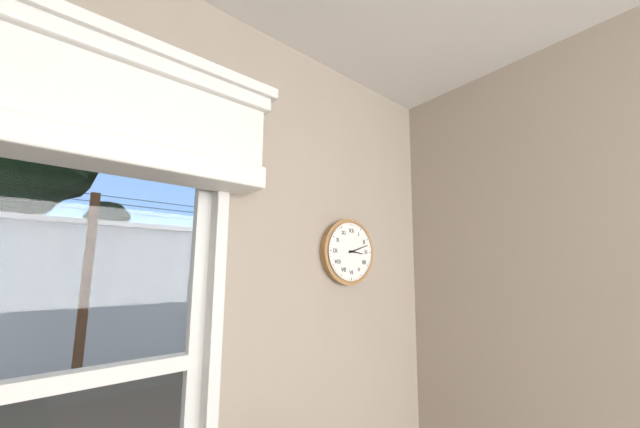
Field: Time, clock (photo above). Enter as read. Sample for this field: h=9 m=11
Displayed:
h=3 m=12
